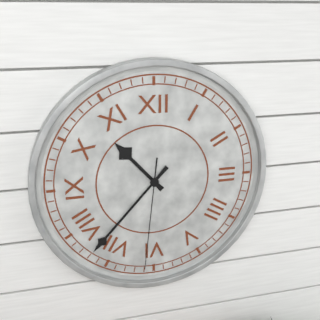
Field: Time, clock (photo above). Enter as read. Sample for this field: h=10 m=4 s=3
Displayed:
h=10 m=37 s=31
